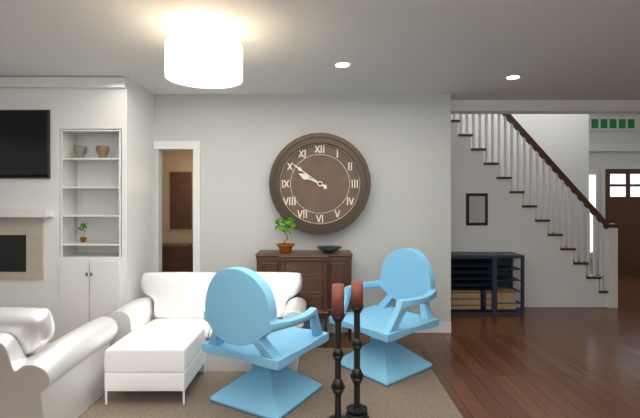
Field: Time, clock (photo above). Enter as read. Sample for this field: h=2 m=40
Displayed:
h=9 m=51
